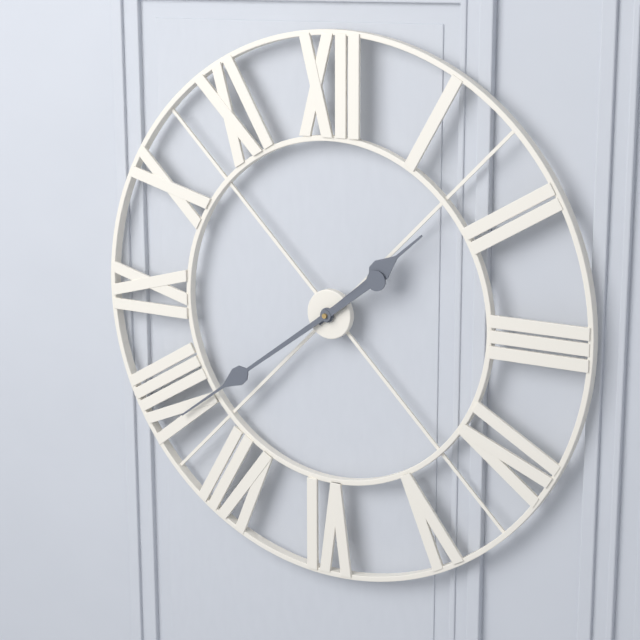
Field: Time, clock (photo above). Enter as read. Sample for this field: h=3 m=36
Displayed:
h=1 m=39
